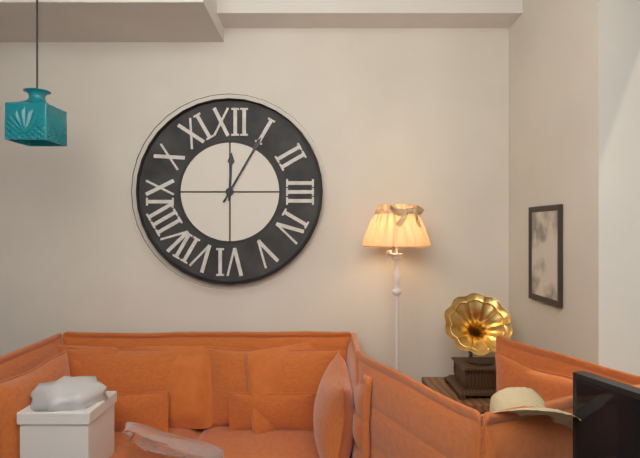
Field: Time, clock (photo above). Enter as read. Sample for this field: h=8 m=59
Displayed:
h=12 m=5
